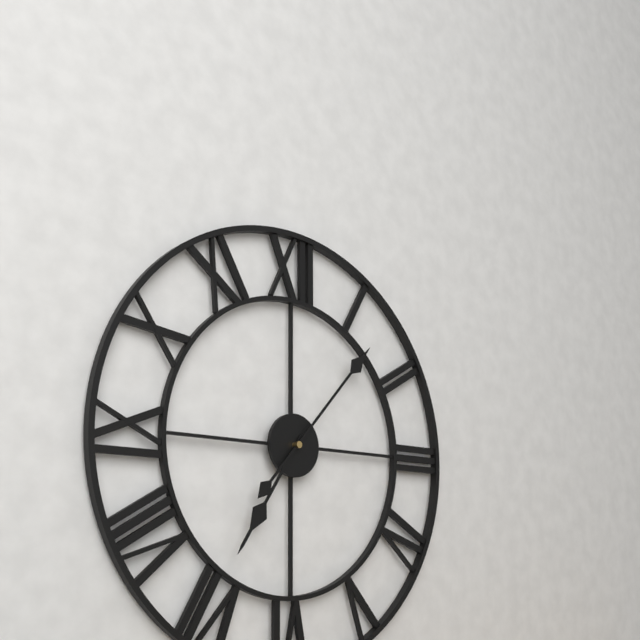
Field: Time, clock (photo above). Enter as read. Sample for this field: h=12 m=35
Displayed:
h=7 m=7
